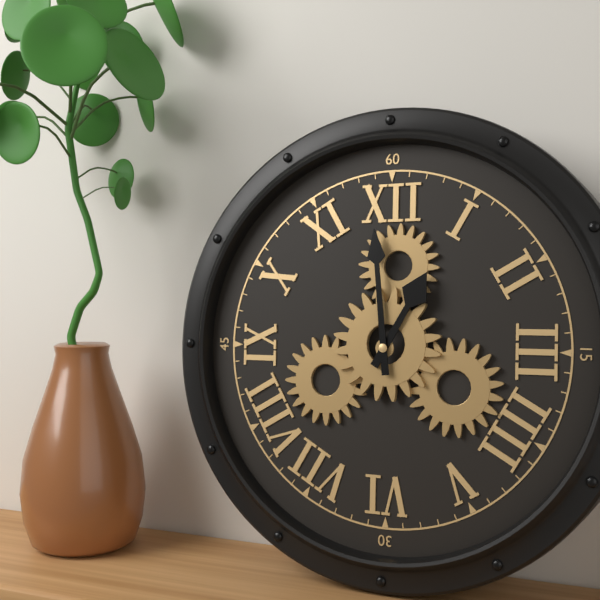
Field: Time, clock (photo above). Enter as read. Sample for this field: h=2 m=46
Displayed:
h=12 m=59
